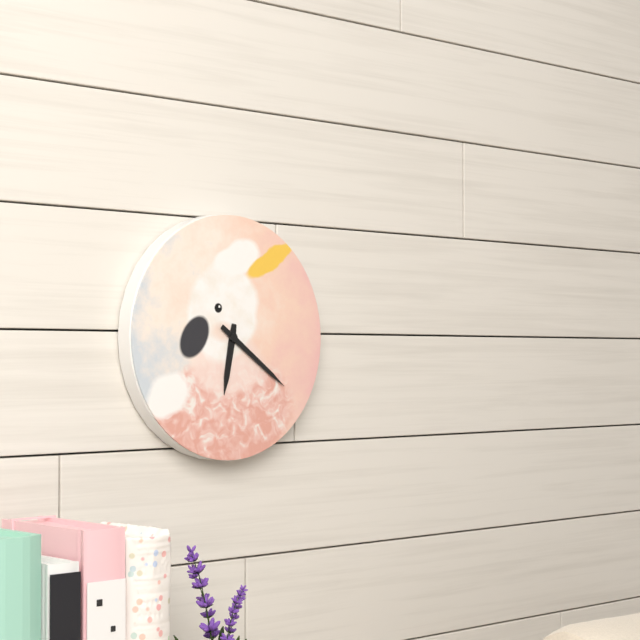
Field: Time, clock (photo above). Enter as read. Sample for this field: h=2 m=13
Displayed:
h=6 m=21
